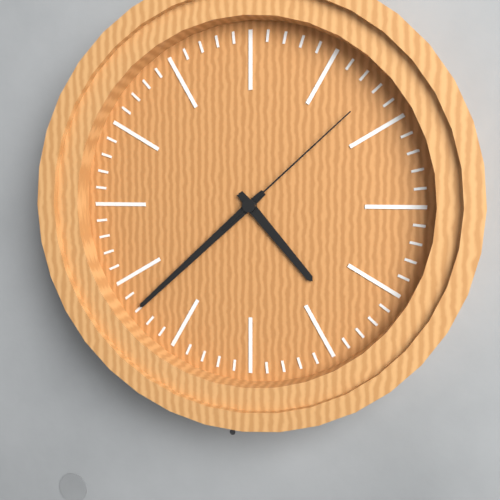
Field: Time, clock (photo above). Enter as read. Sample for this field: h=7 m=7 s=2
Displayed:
h=4 m=38 s=8
